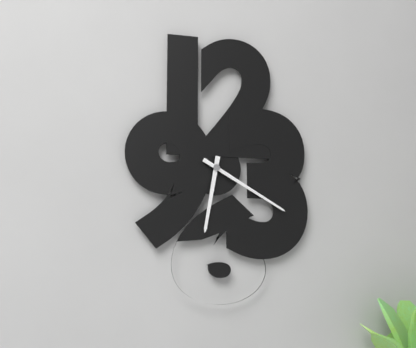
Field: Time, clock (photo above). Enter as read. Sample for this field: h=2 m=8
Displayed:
h=6 m=20
